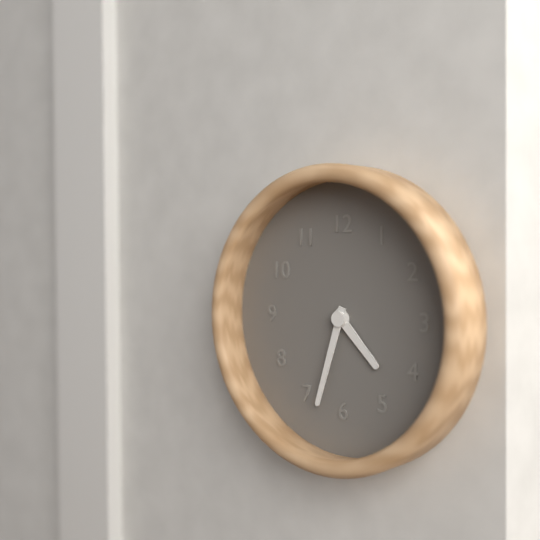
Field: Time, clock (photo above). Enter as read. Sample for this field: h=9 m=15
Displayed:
h=4 m=33
